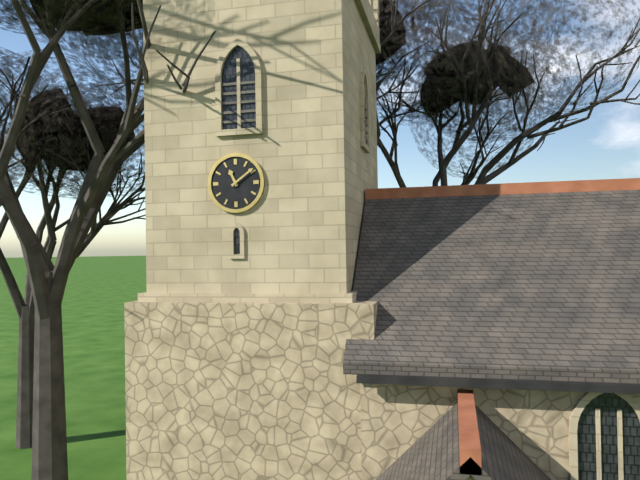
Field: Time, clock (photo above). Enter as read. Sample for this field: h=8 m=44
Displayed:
h=11 m=9
